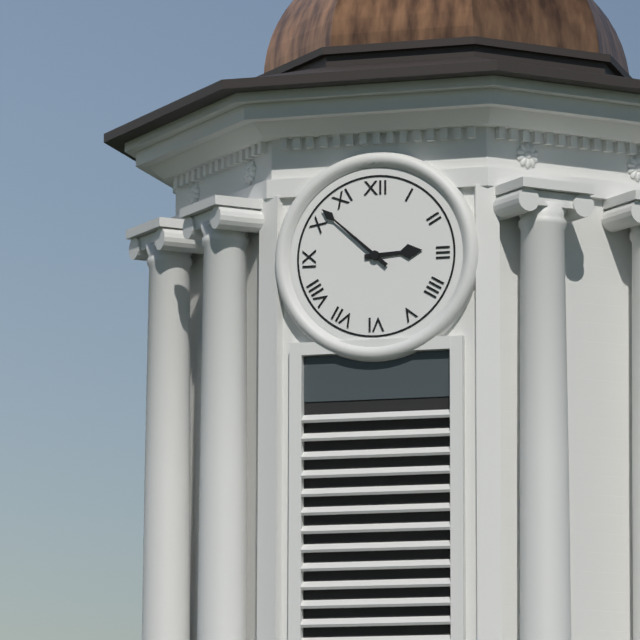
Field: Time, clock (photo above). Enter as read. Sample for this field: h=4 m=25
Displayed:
h=2 m=52
